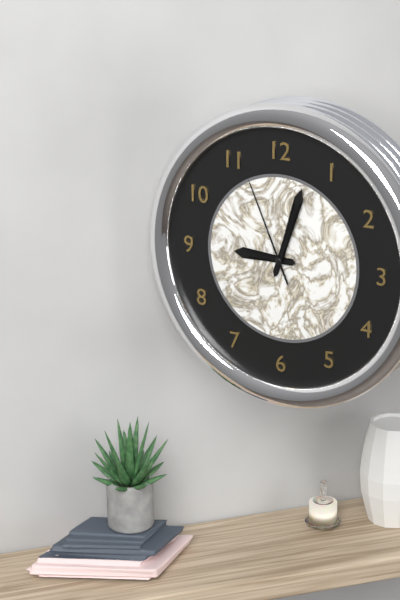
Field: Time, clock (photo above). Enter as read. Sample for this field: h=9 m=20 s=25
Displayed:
h=9 m=3 s=56
